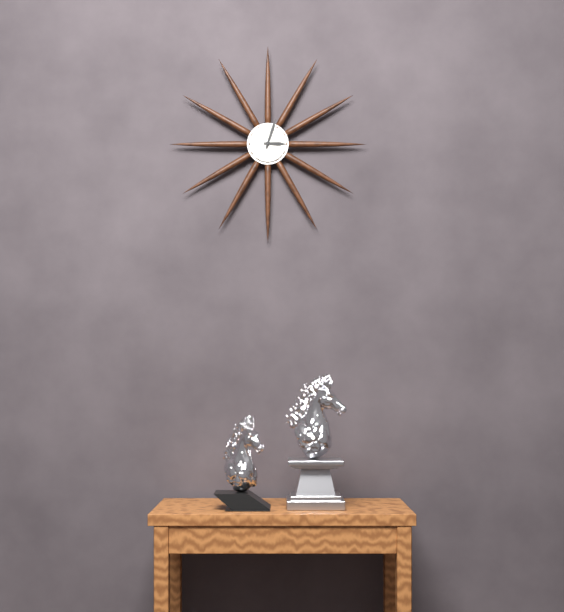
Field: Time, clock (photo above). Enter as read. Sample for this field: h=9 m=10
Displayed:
h=3 m=3
